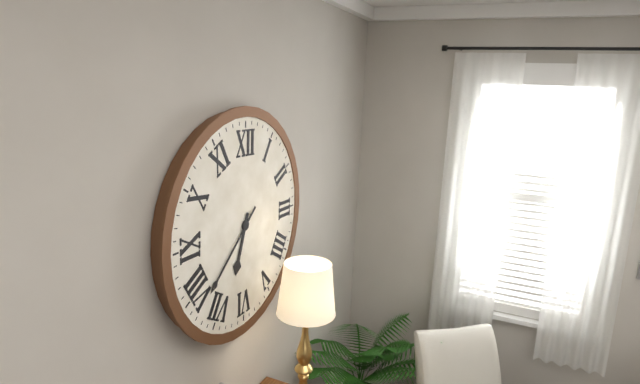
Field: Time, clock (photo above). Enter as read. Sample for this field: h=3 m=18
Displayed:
h=6 m=38
